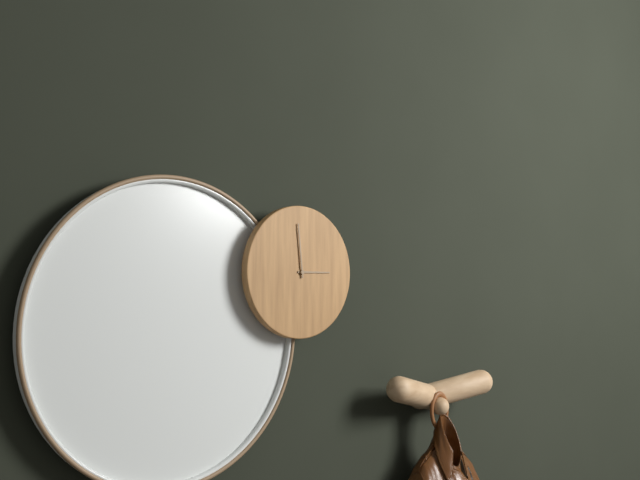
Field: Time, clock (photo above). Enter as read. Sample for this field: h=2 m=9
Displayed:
h=2 m=59
